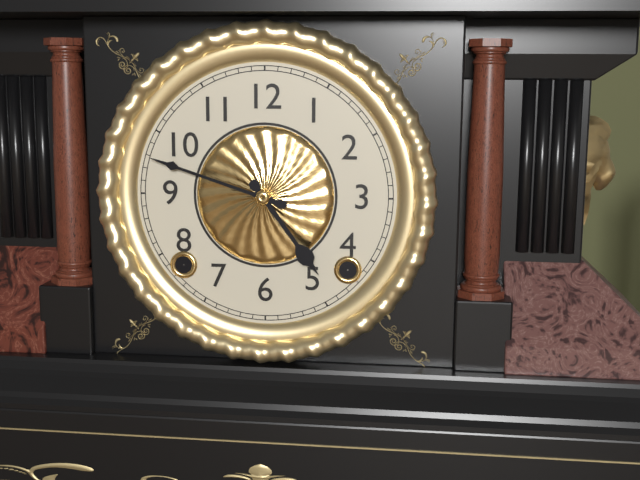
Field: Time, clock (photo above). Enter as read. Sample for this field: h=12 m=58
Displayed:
h=4 m=48
